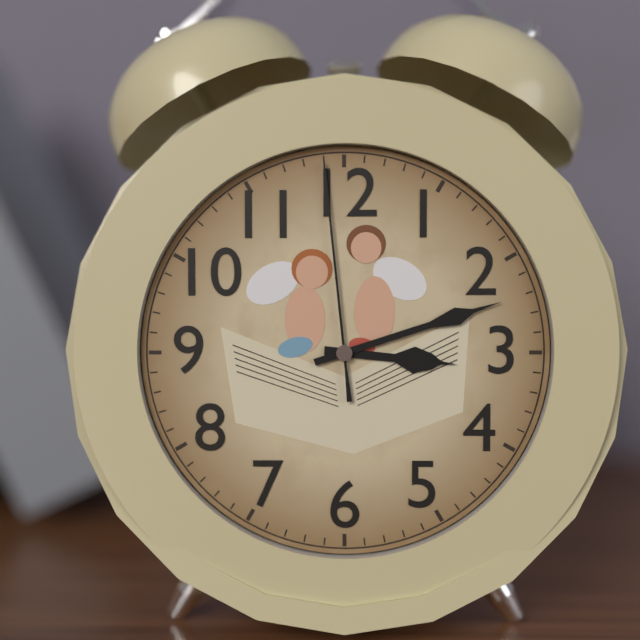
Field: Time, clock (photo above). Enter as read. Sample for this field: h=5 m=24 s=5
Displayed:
h=3 m=12 s=59
